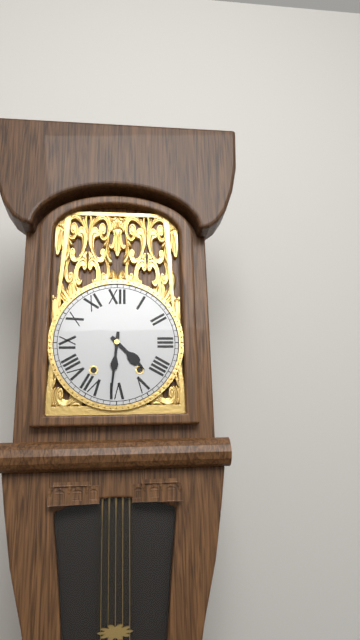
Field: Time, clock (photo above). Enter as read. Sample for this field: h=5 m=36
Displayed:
h=4 m=31
